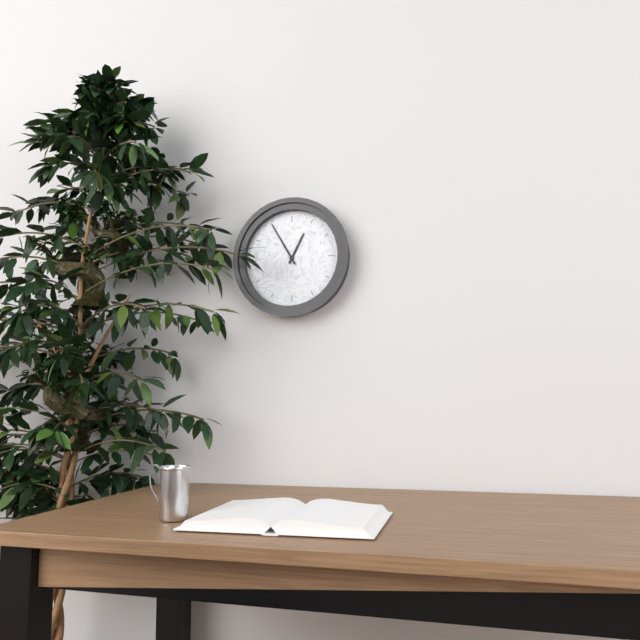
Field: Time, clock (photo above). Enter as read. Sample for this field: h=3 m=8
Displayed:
h=12 m=55
